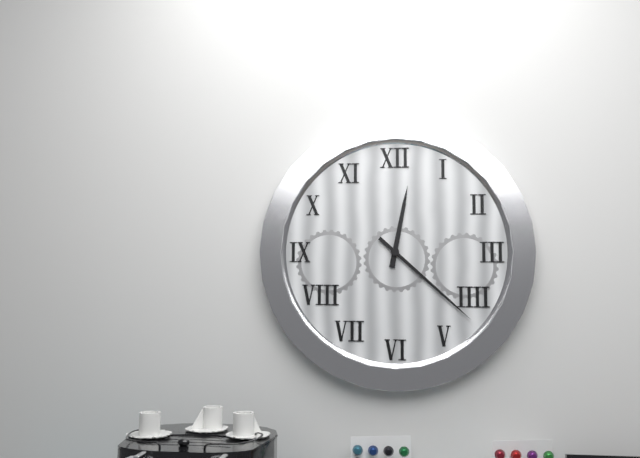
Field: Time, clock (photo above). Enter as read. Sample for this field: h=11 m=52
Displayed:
h=12 m=22
